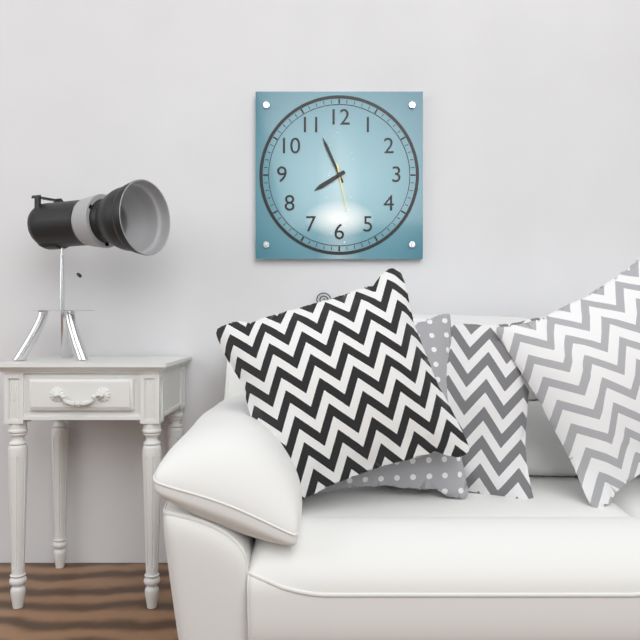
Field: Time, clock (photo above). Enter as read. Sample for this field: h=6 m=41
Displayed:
h=7 m=56
